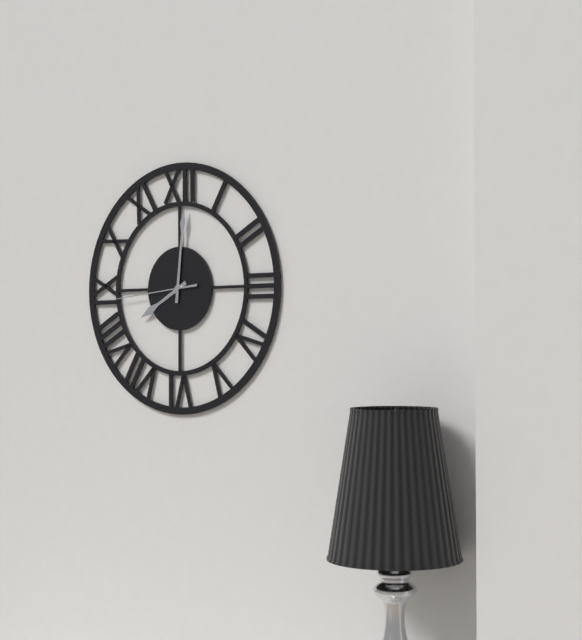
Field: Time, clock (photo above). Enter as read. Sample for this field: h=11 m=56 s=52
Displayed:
h=8 m=1 s=44
